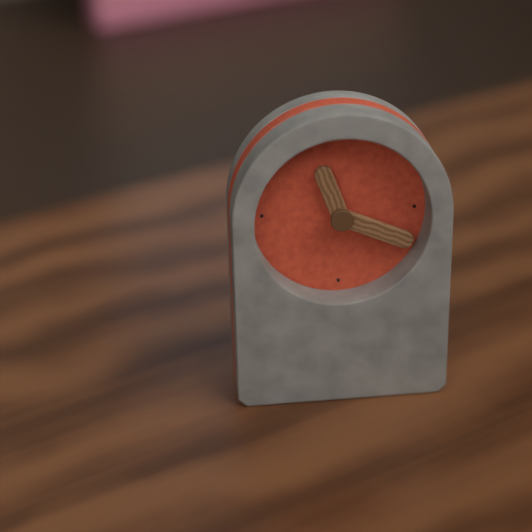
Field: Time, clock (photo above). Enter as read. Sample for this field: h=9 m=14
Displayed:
h=11 m=19
